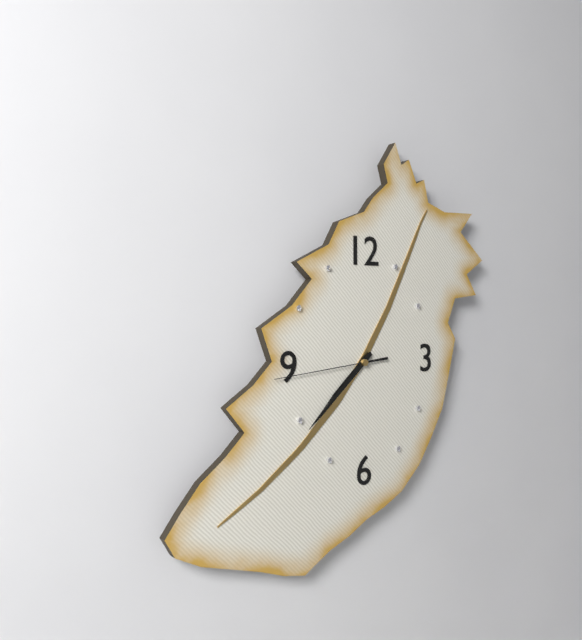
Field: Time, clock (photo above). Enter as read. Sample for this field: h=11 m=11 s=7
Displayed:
h=7 m=38 s=44
